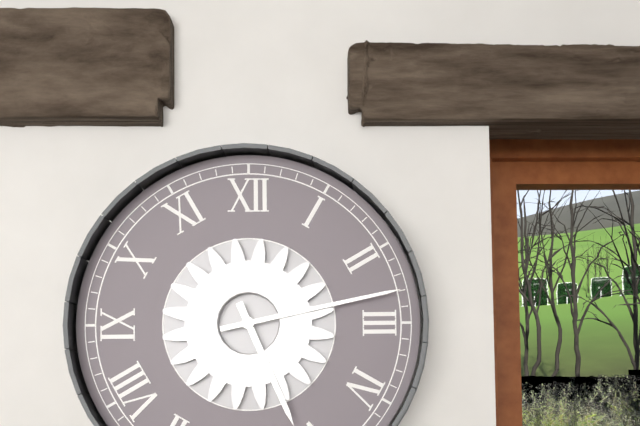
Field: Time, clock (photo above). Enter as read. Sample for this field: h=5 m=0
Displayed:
h=5 m=13
